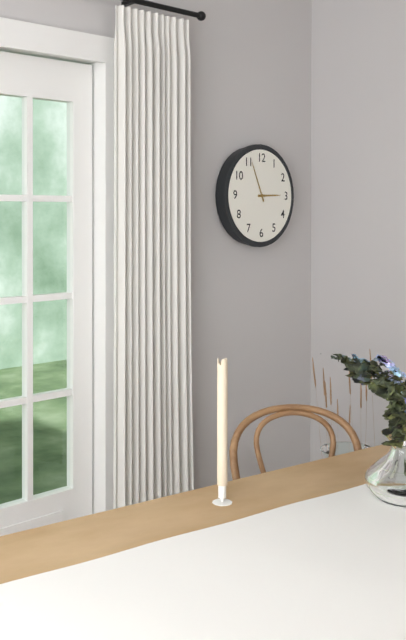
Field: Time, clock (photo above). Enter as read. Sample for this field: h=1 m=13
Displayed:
h=2 m=56
